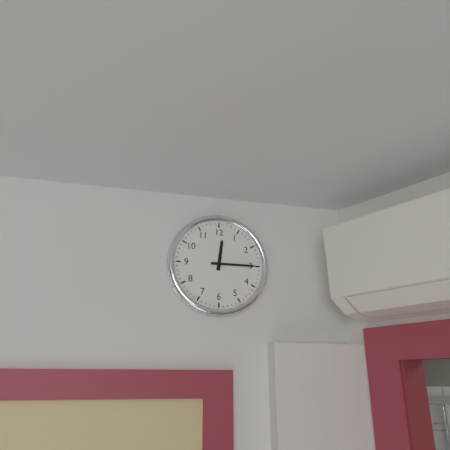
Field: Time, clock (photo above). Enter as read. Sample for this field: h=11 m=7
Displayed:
h=12 m=15
